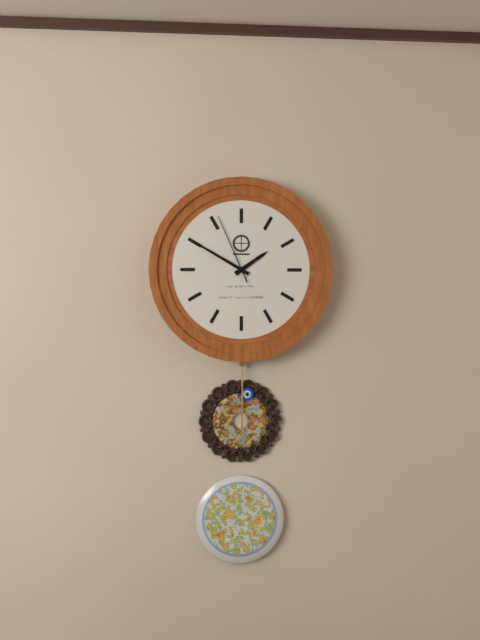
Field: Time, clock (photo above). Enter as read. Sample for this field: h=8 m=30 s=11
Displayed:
h=1 m=50 s=56
